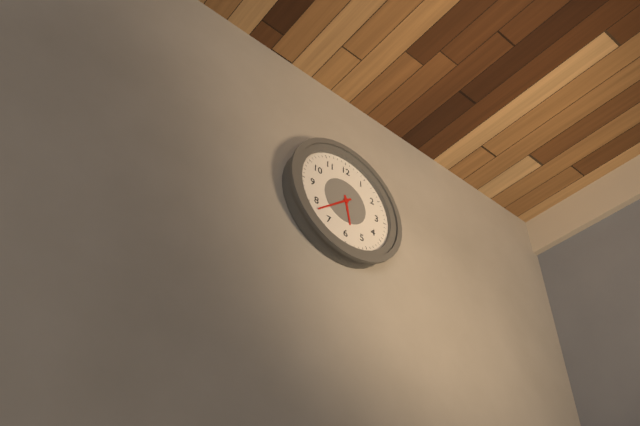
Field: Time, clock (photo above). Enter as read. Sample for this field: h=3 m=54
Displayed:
h=5 m=38
